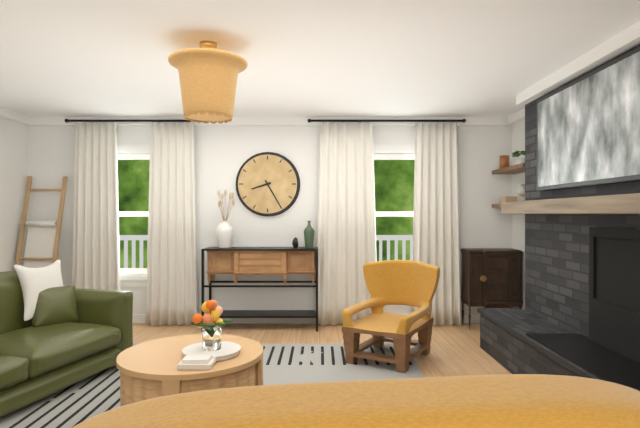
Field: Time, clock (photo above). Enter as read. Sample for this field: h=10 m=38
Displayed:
h=8 m=25
